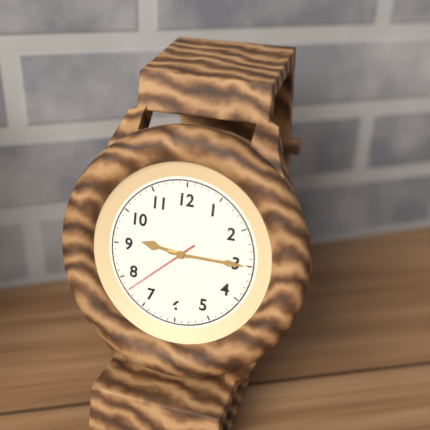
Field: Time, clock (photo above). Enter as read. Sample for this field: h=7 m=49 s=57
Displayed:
h=9 m=15 s=38
